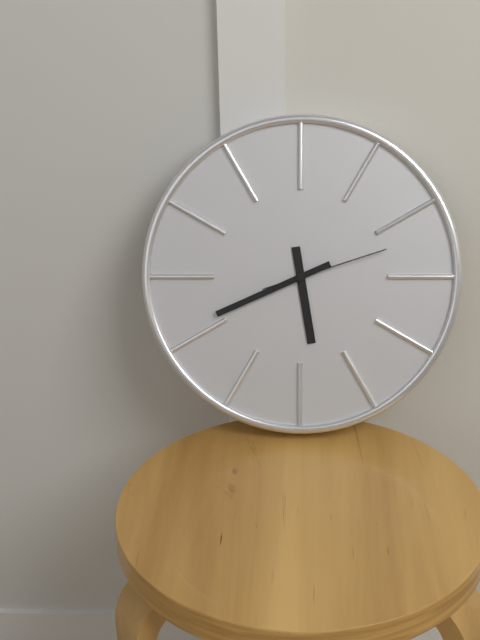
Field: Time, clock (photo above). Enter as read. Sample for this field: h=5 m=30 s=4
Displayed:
h=5 m=41 s=12
